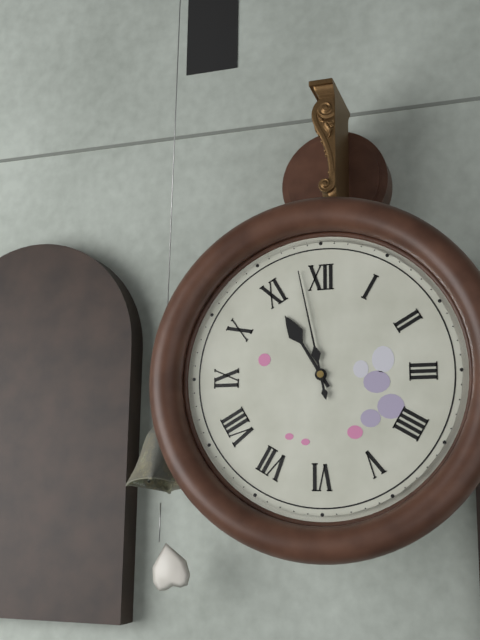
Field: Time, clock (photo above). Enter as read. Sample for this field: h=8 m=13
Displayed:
h=10 m=58
